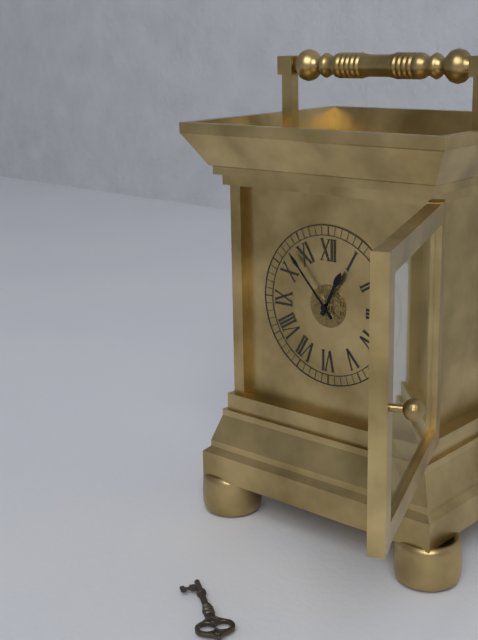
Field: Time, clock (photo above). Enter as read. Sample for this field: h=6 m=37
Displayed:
h=12 m=53
